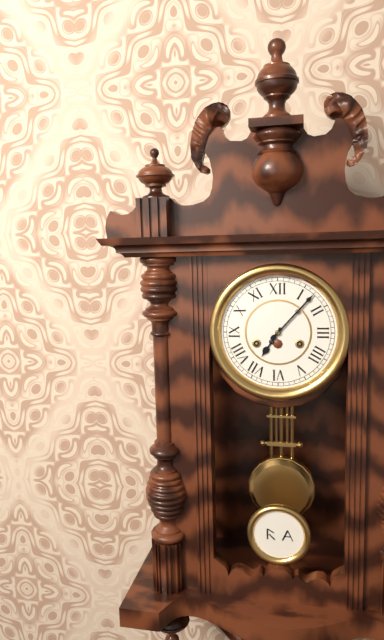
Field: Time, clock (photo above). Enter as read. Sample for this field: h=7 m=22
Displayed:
h=7 m=7
